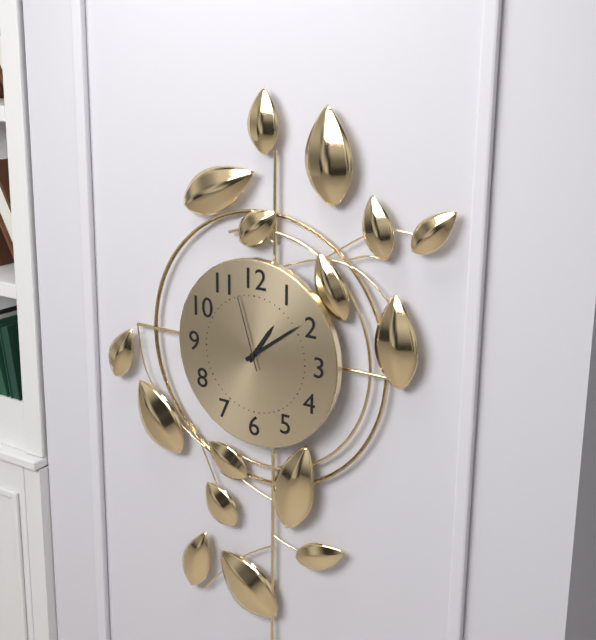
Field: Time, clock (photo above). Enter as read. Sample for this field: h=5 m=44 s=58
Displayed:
h=1 m=9 s=57
